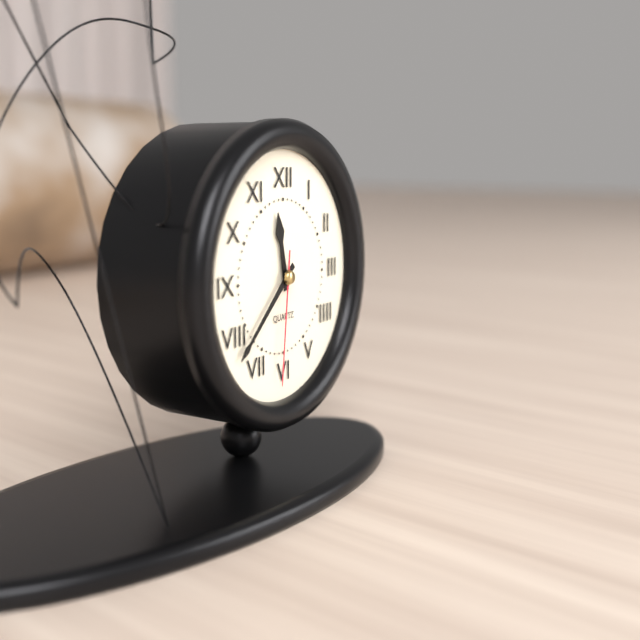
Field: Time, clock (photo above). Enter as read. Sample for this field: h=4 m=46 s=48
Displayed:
h=11 m=38 s=31
